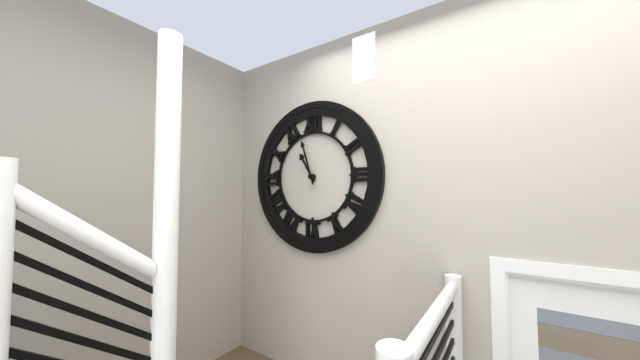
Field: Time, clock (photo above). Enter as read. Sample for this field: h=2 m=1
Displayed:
h=10 m=57
